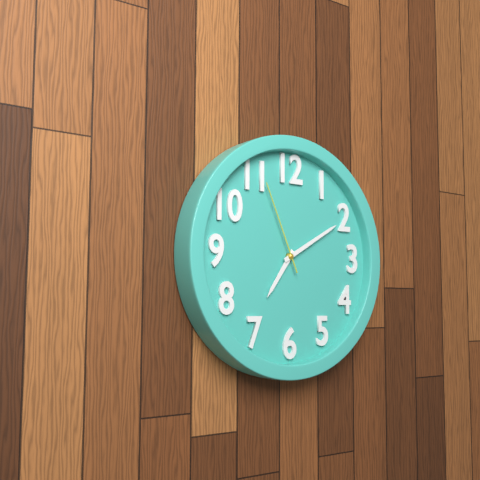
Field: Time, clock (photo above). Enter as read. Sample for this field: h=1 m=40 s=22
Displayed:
h=7 m=10 s=56
